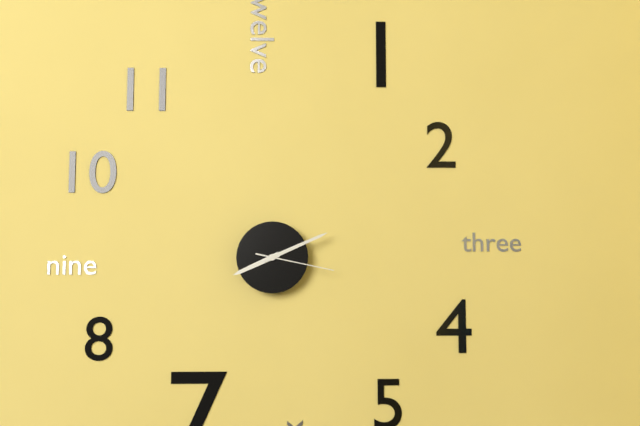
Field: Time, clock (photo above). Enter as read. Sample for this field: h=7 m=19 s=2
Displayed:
h=8 m=11 s=17
